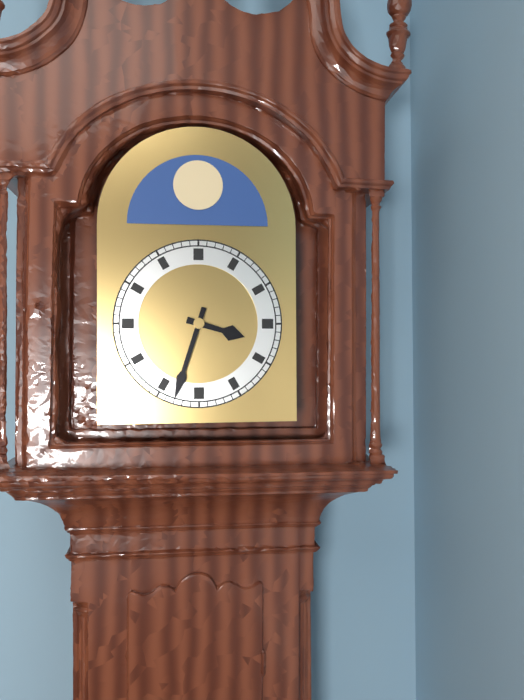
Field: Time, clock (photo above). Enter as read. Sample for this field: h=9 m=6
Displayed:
h=3 m=33
